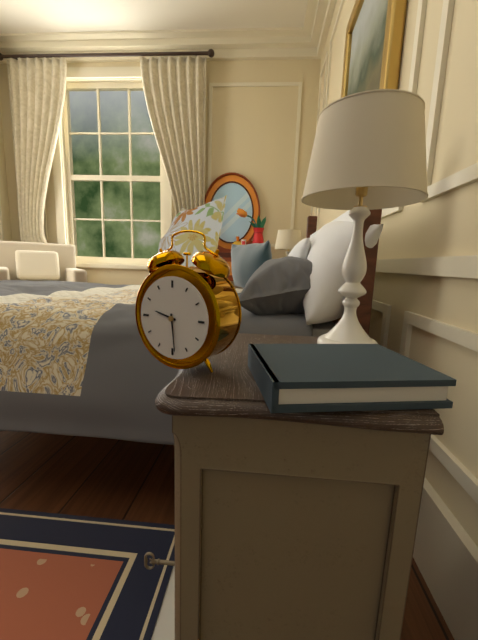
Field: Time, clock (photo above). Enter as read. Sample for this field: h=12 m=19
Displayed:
h=9 m=29
